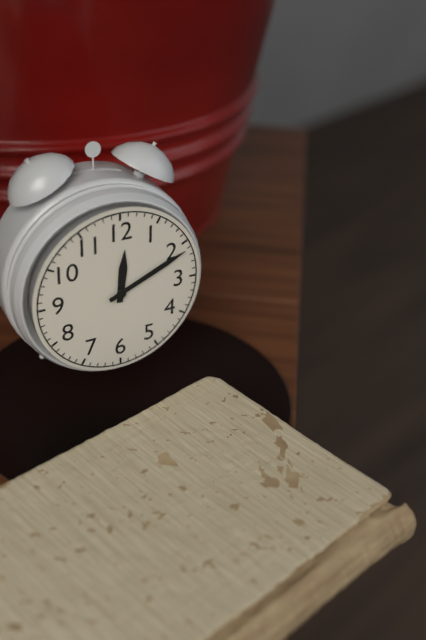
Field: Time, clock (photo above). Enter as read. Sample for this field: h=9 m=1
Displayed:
h=12 m=11
